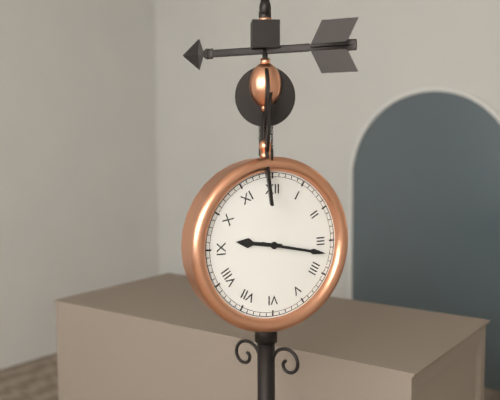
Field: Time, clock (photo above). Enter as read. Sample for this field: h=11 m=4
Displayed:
h=9 m=17
